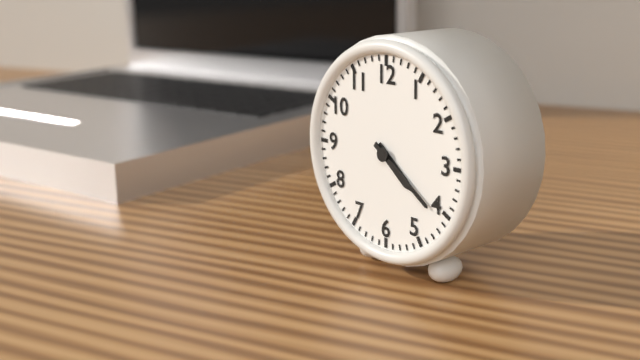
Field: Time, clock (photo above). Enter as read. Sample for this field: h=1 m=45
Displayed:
h=4 m=21
